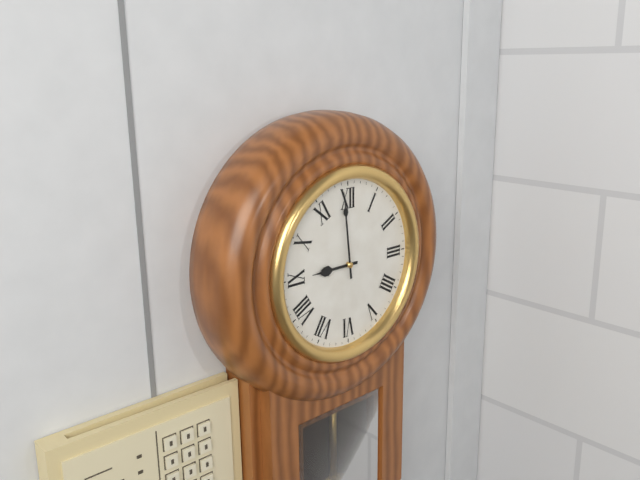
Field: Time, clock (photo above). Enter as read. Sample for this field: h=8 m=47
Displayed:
h=8 m=59
